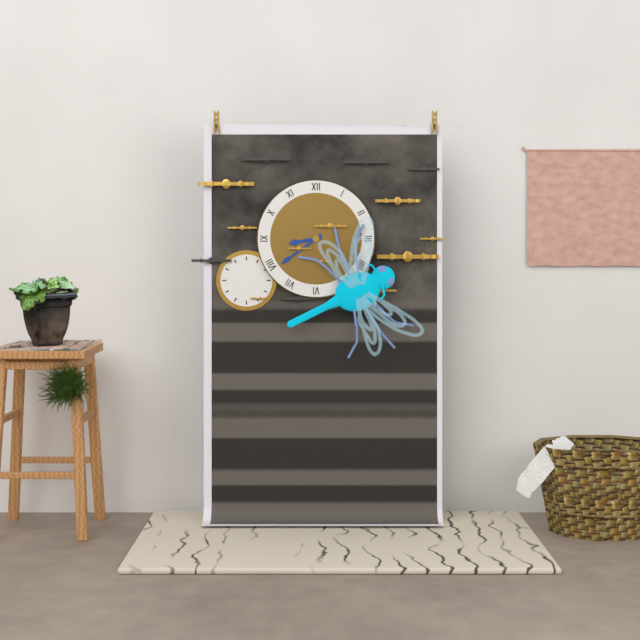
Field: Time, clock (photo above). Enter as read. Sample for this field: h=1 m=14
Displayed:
h=8 m=39
